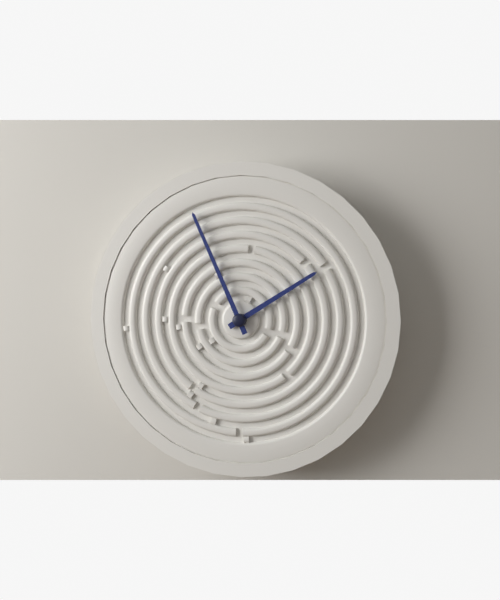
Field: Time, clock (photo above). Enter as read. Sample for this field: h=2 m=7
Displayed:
h=1 m=56
